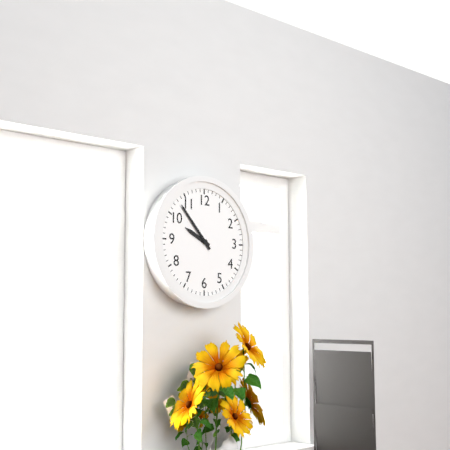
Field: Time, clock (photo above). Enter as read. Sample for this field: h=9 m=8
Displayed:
h=9 m=53
